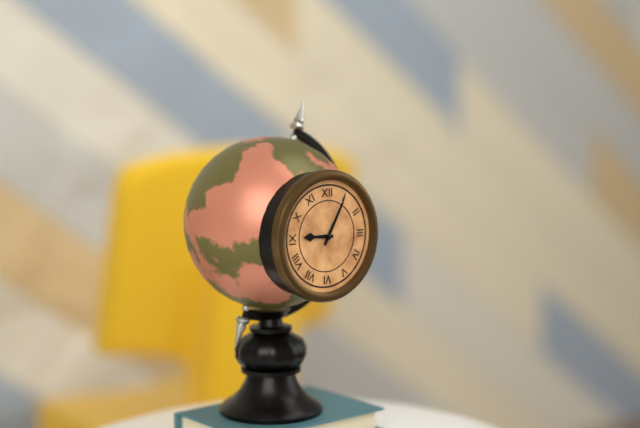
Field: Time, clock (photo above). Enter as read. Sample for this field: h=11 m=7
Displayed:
h=9 m=5
